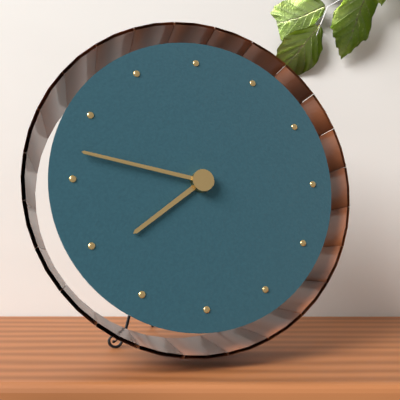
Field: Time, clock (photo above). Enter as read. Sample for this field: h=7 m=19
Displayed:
h=7 m=47
